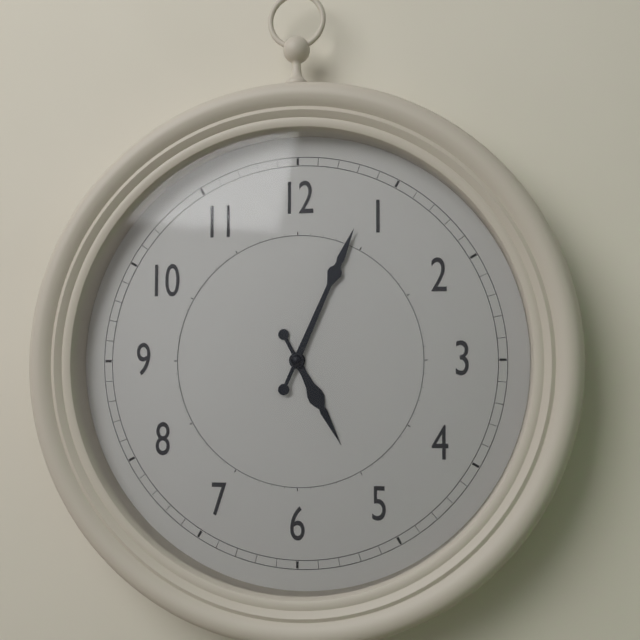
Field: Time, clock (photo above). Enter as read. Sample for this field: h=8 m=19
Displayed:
h=5 m=4
